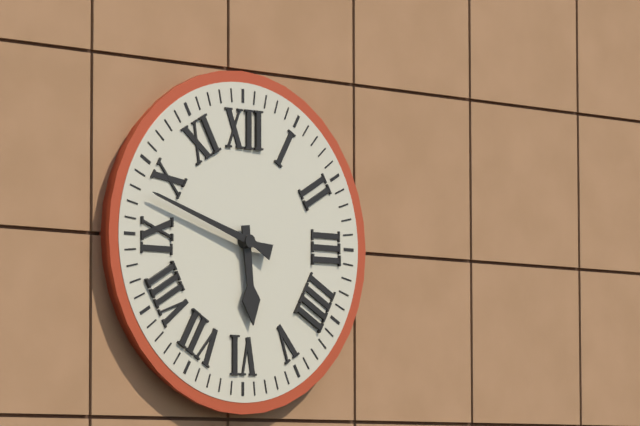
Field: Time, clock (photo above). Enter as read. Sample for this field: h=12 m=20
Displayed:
h=5 m=48
